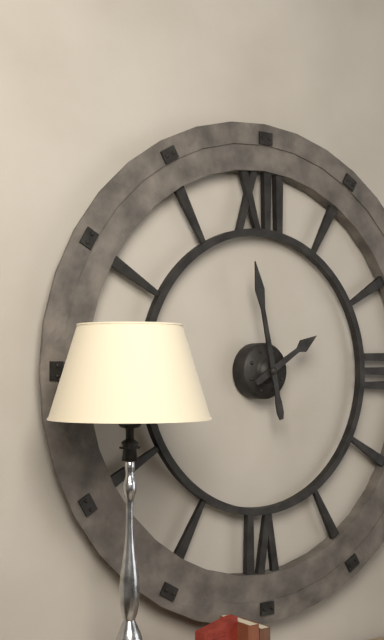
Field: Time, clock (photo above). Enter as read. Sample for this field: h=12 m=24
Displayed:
h=1 m=58
